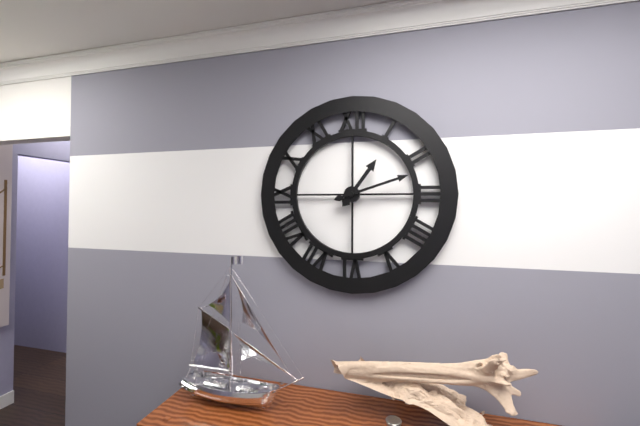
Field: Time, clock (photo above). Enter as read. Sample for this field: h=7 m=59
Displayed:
h=1 m=12
